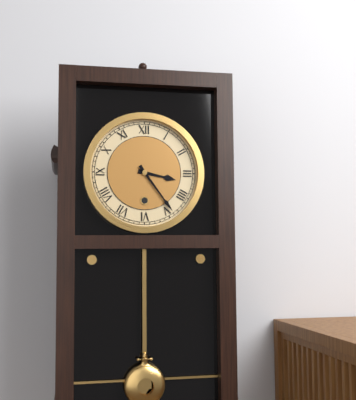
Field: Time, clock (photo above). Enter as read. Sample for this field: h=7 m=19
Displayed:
h=3 m=24
